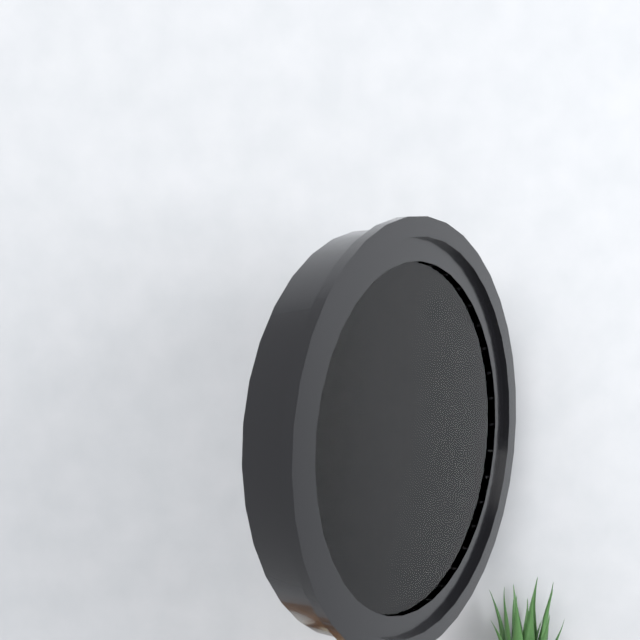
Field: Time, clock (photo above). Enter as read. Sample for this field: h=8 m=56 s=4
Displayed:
h=9 m=58 s=32
